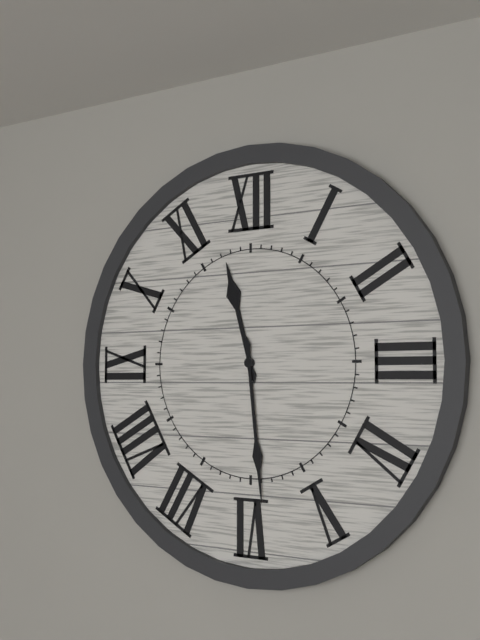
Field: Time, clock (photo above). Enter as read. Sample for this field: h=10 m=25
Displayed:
h=11 m=29
